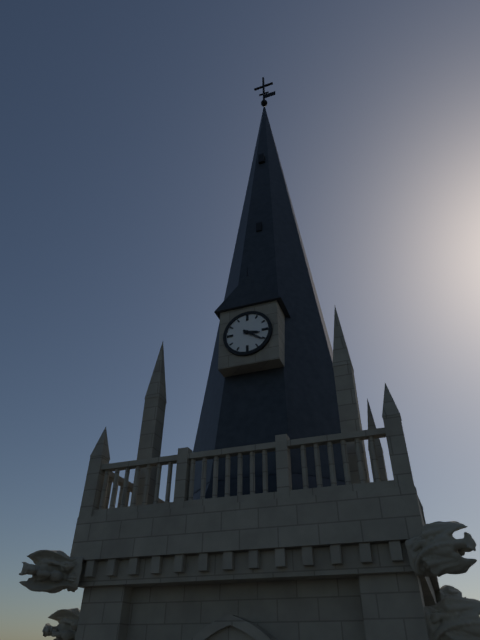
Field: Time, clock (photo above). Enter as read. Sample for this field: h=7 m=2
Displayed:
h=3 m=21
